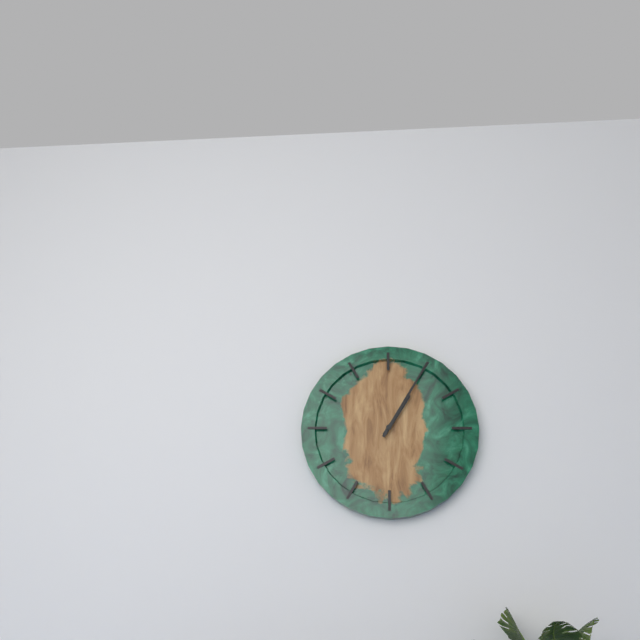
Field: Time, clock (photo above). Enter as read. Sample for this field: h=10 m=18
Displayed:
h=1 m=5
